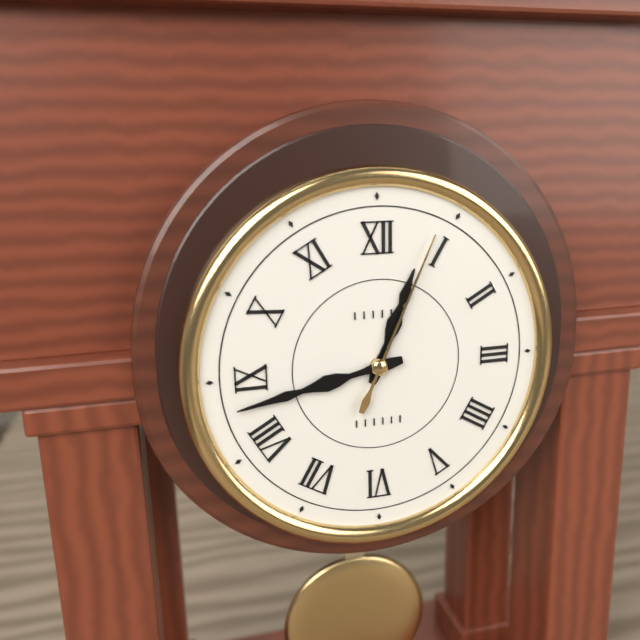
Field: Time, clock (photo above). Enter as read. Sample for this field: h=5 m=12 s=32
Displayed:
h=12 m=43 s=4
